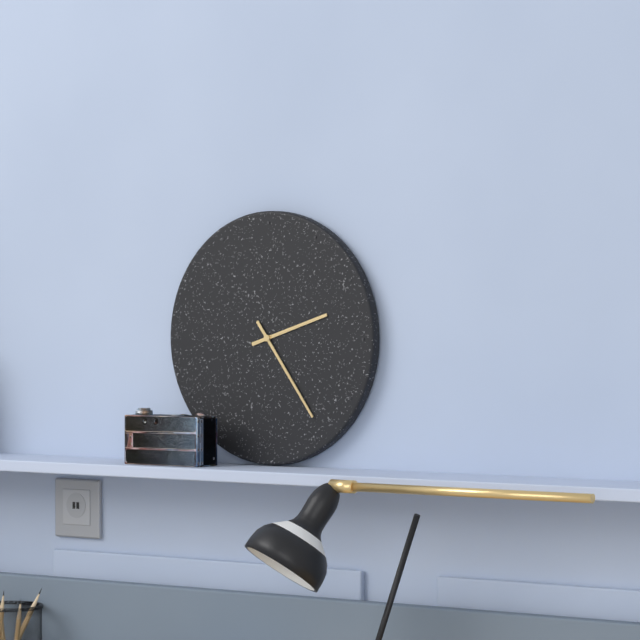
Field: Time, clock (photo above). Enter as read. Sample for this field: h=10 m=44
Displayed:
h=2 m=24
